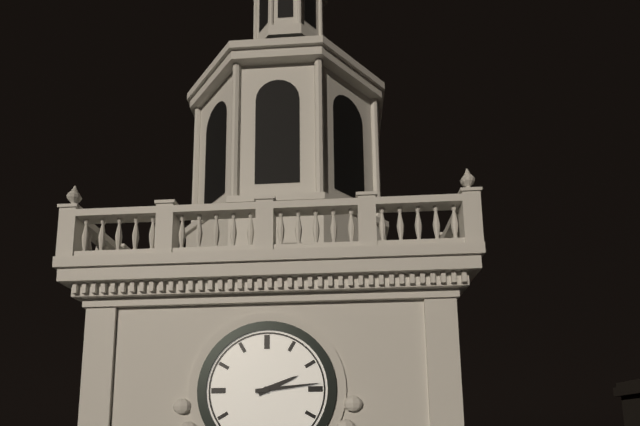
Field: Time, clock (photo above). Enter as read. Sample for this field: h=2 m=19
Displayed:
h=2 m=14
